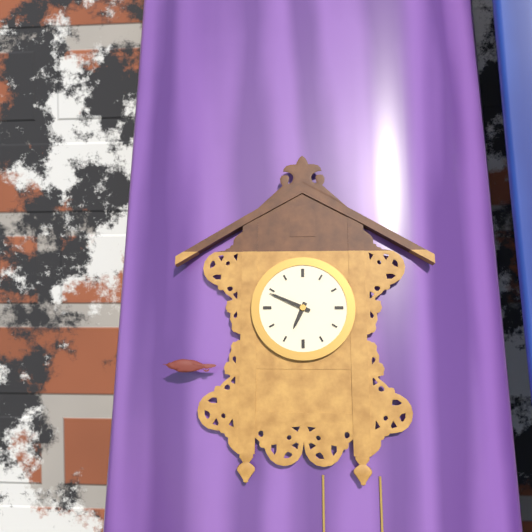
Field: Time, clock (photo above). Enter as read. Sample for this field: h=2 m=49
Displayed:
h=6 m=49
